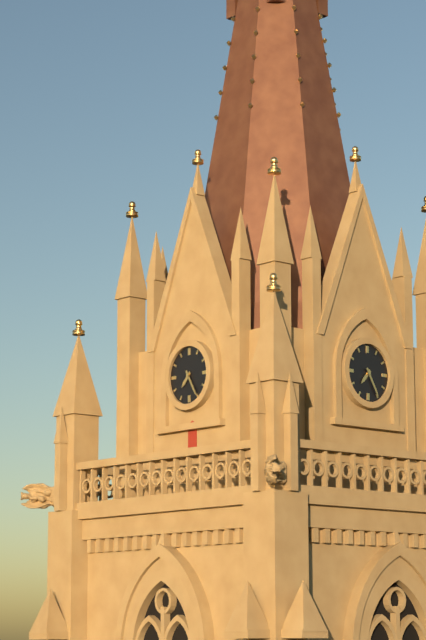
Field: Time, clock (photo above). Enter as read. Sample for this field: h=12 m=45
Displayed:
h=7 m=25
